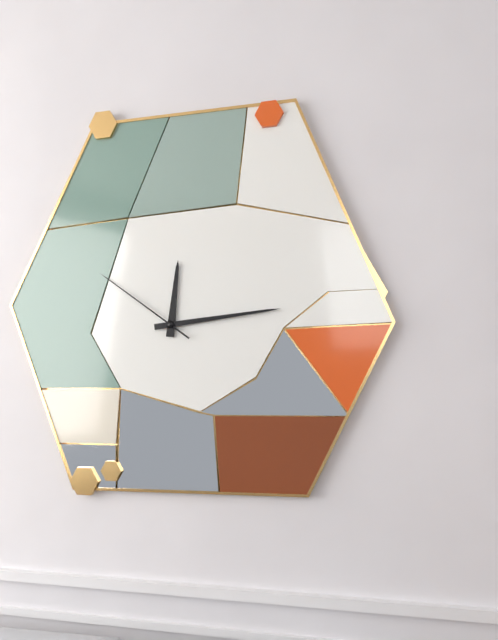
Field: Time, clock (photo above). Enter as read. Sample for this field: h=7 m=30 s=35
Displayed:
h=12 m=14 s=51
